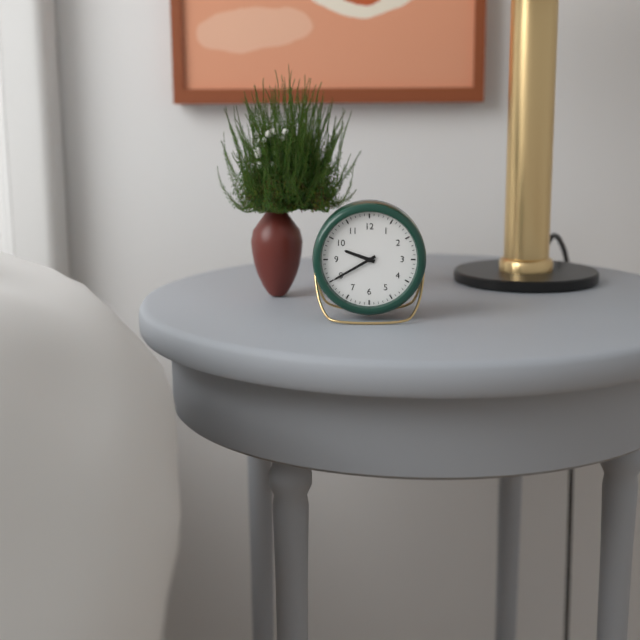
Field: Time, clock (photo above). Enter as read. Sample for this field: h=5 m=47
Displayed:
h=9 m=40
